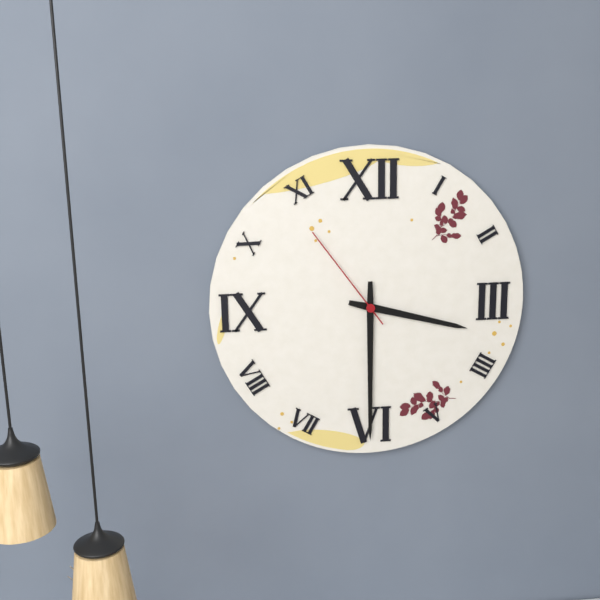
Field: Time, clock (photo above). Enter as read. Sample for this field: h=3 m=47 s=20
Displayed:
h=3 m=30 s=54
